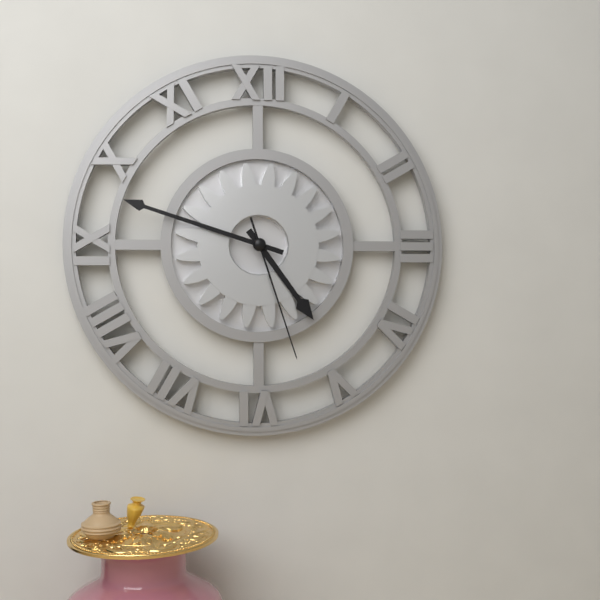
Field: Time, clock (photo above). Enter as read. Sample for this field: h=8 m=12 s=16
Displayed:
h=4 m=48 s=27
